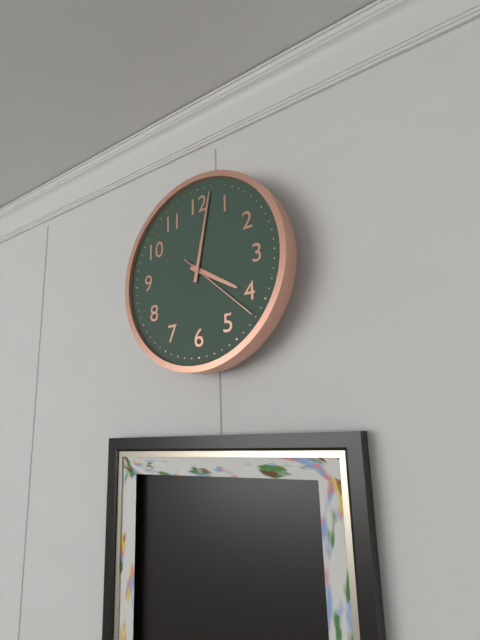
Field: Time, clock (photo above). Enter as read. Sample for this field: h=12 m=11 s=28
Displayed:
h=4 m=2 s=22
